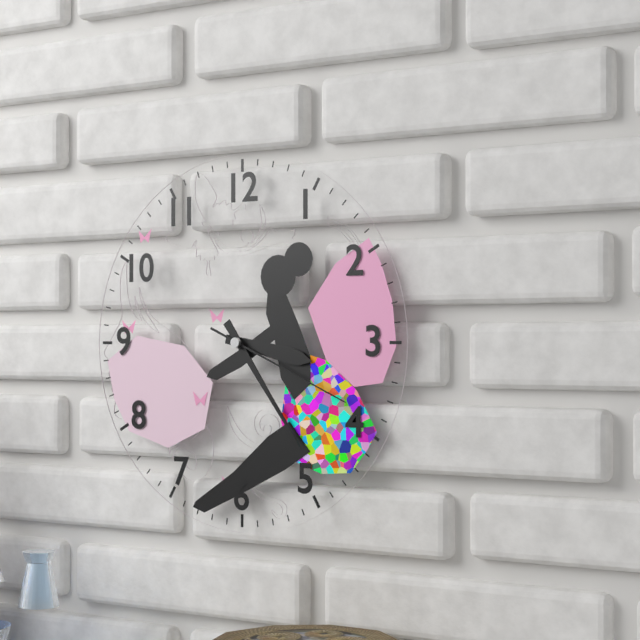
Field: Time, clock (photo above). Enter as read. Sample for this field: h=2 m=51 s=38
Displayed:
h=3 m=24 s=19
